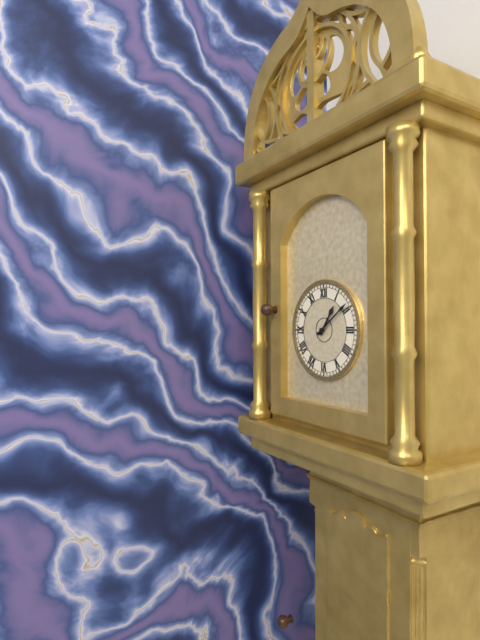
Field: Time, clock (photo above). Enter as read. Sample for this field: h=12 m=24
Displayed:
h=1 m=9
